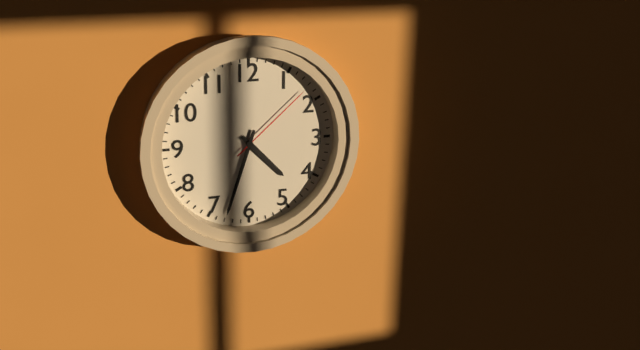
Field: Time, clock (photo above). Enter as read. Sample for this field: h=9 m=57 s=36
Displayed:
h=4 m=33 s=8
